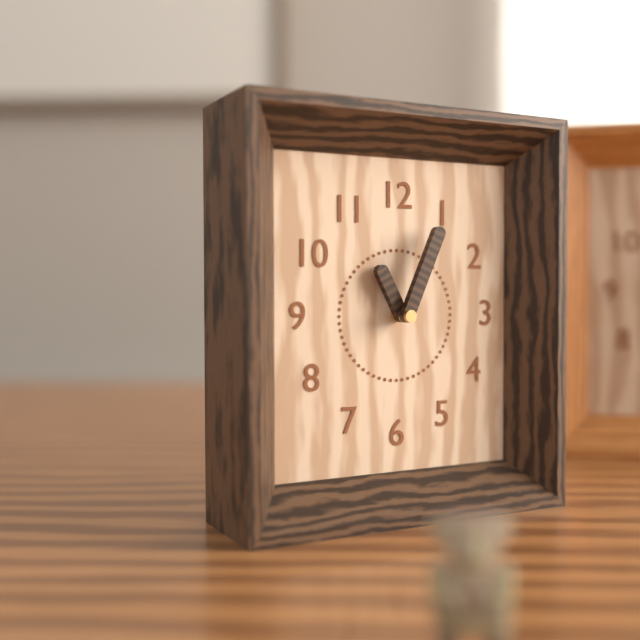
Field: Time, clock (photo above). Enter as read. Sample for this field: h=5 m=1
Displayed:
h=11 m=4
